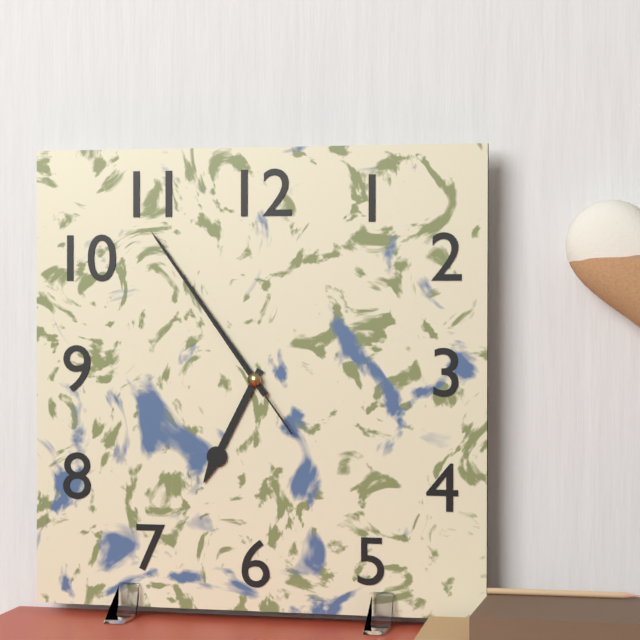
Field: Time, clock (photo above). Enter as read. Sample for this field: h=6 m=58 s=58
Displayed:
h=6 m=54 s=54
